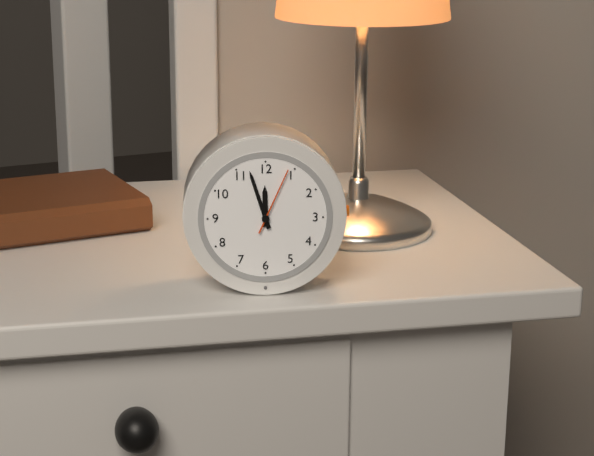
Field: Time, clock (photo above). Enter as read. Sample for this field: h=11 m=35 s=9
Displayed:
h=11 m=57 s=4
